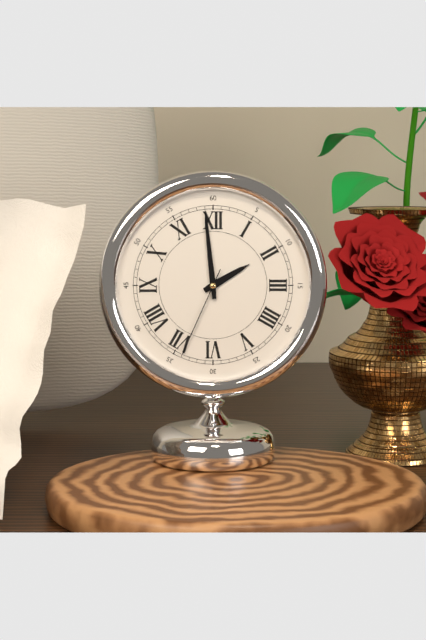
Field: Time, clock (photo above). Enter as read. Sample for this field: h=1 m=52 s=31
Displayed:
h=1 m=59 s=34
